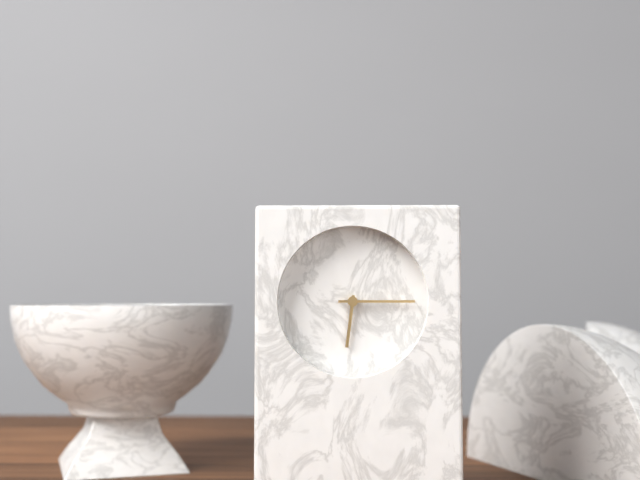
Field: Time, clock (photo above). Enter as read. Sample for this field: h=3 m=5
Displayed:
h=6 m=15
